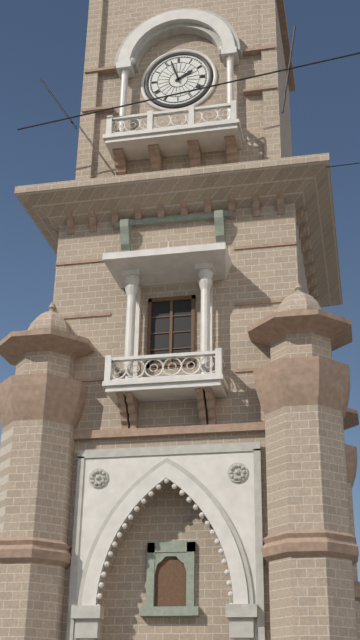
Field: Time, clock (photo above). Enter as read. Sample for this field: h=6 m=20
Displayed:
h=1 m=57
